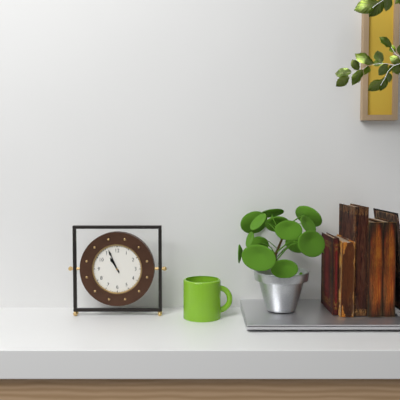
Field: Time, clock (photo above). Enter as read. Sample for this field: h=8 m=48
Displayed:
h=10 m=56
